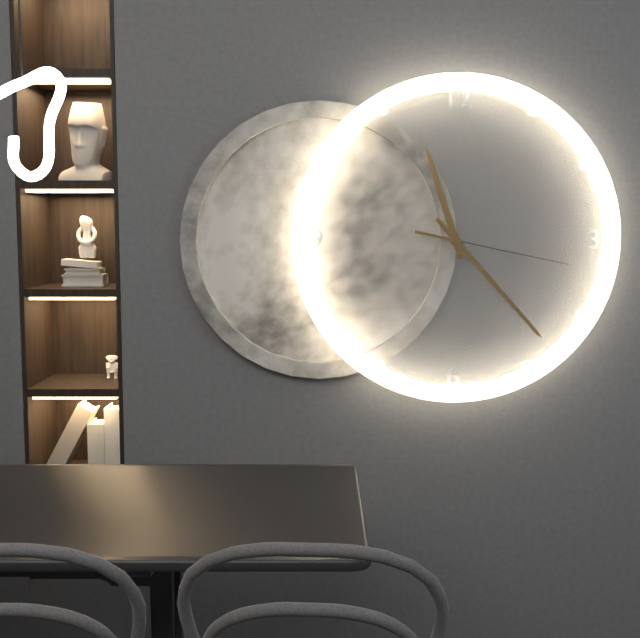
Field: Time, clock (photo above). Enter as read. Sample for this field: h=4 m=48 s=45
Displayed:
h=11 m=23 s=17
